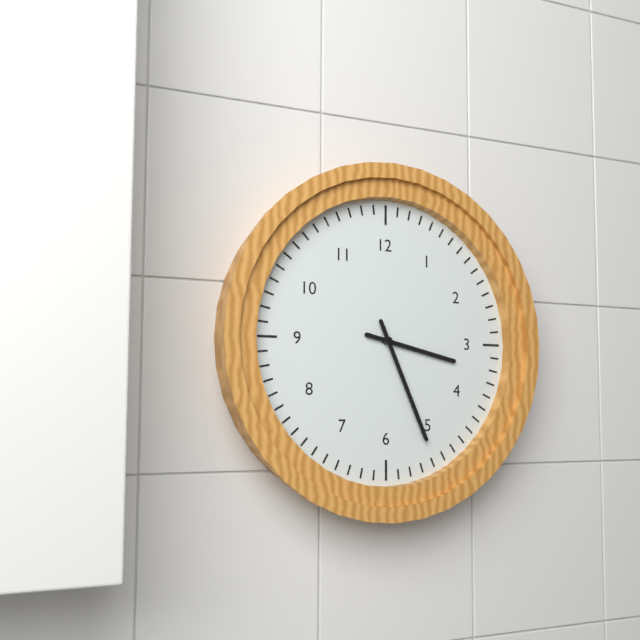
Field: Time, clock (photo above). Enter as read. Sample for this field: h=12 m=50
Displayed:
h=3 m=26
